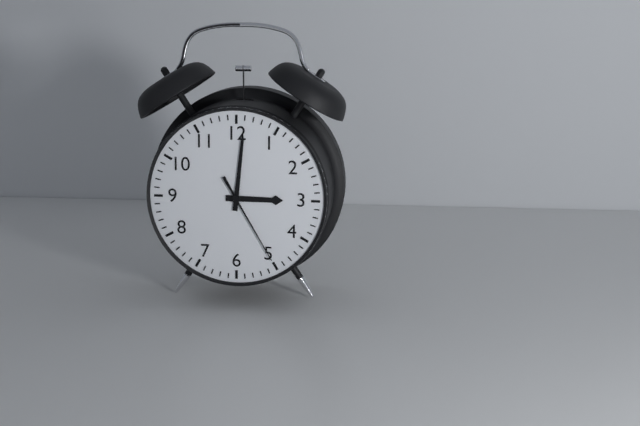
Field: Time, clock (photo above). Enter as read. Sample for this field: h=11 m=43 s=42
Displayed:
h=3 m=1 s=25
